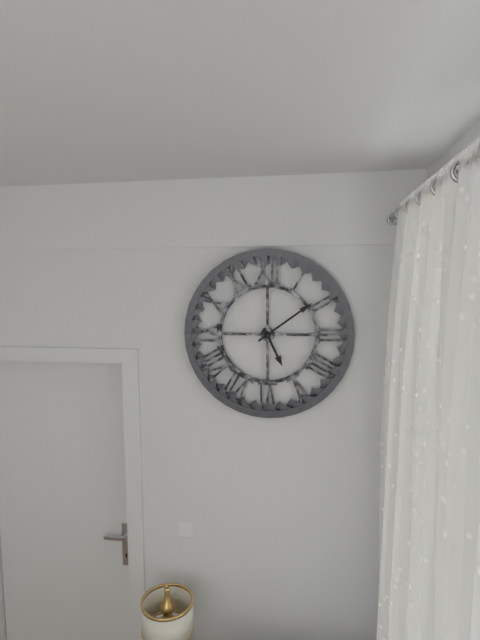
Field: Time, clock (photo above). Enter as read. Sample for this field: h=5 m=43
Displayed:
h=5 m=9
